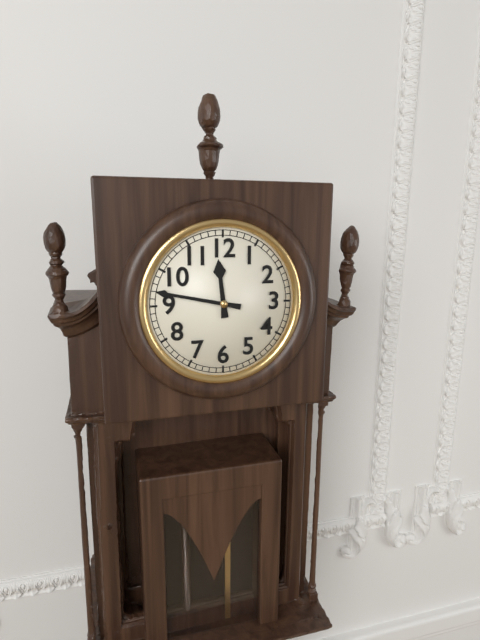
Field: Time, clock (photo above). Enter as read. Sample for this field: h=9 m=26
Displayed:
h=11 m=47
